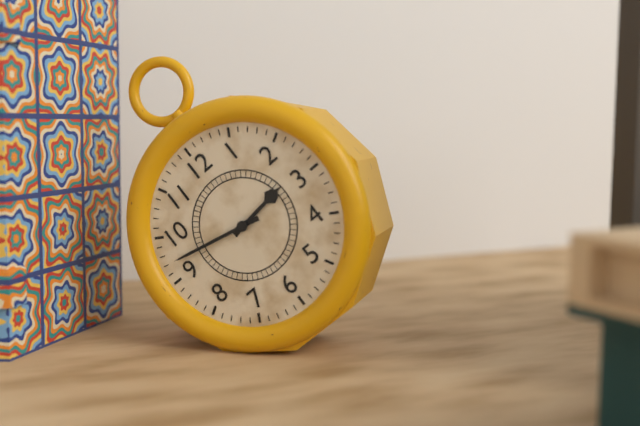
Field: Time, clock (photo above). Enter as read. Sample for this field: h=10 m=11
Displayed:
h=2 m=47
